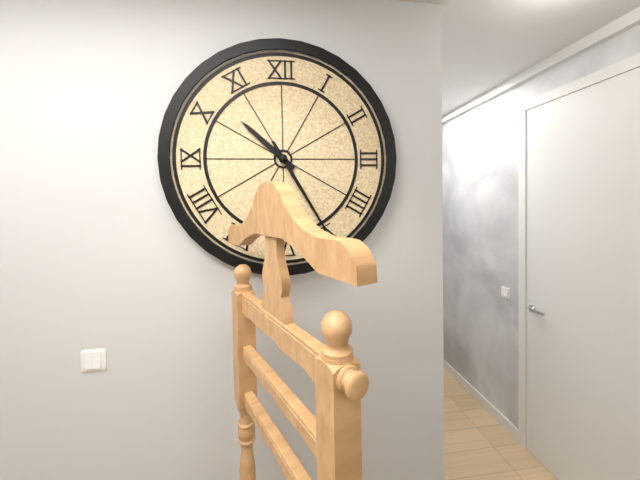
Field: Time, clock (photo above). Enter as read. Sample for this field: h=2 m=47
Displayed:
h=10 m=25
